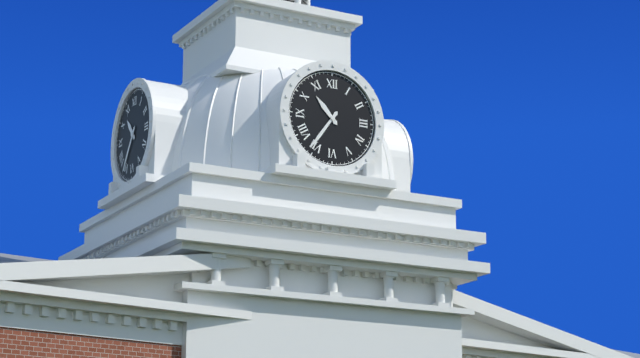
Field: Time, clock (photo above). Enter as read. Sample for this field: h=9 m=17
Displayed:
h=10 m=36
